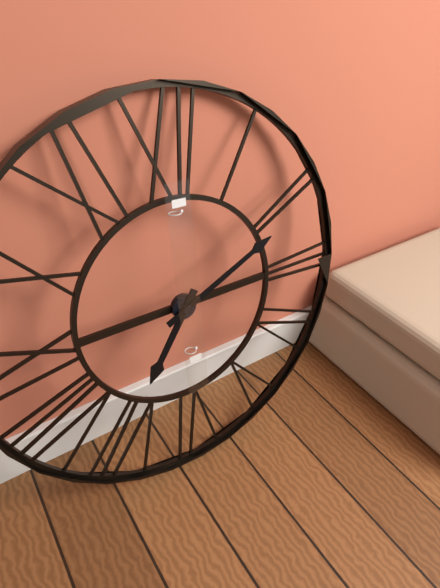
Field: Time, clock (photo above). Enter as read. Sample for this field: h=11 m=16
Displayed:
h=7 m=11
